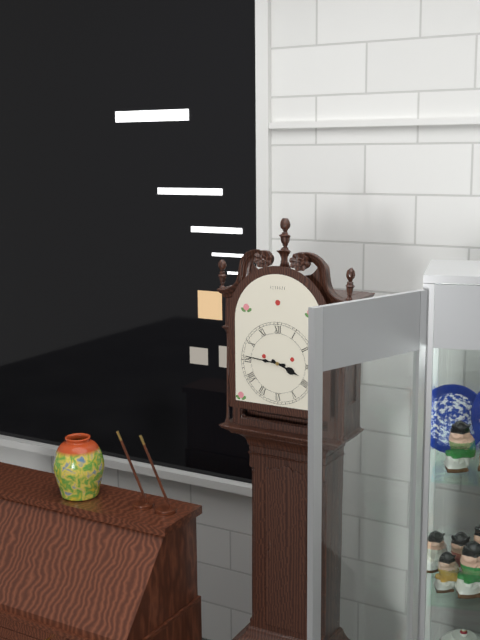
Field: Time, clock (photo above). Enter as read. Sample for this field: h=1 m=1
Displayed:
h=3 m=46
